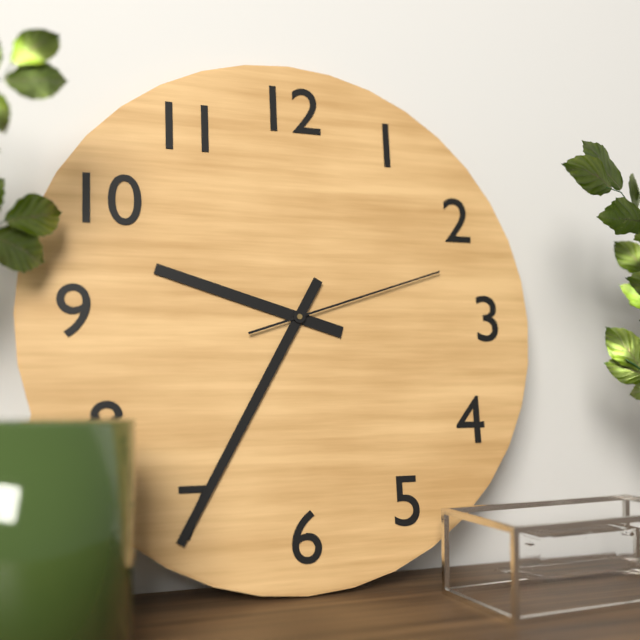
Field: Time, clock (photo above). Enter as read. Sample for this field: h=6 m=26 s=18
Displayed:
h=9 m=35 s=12
